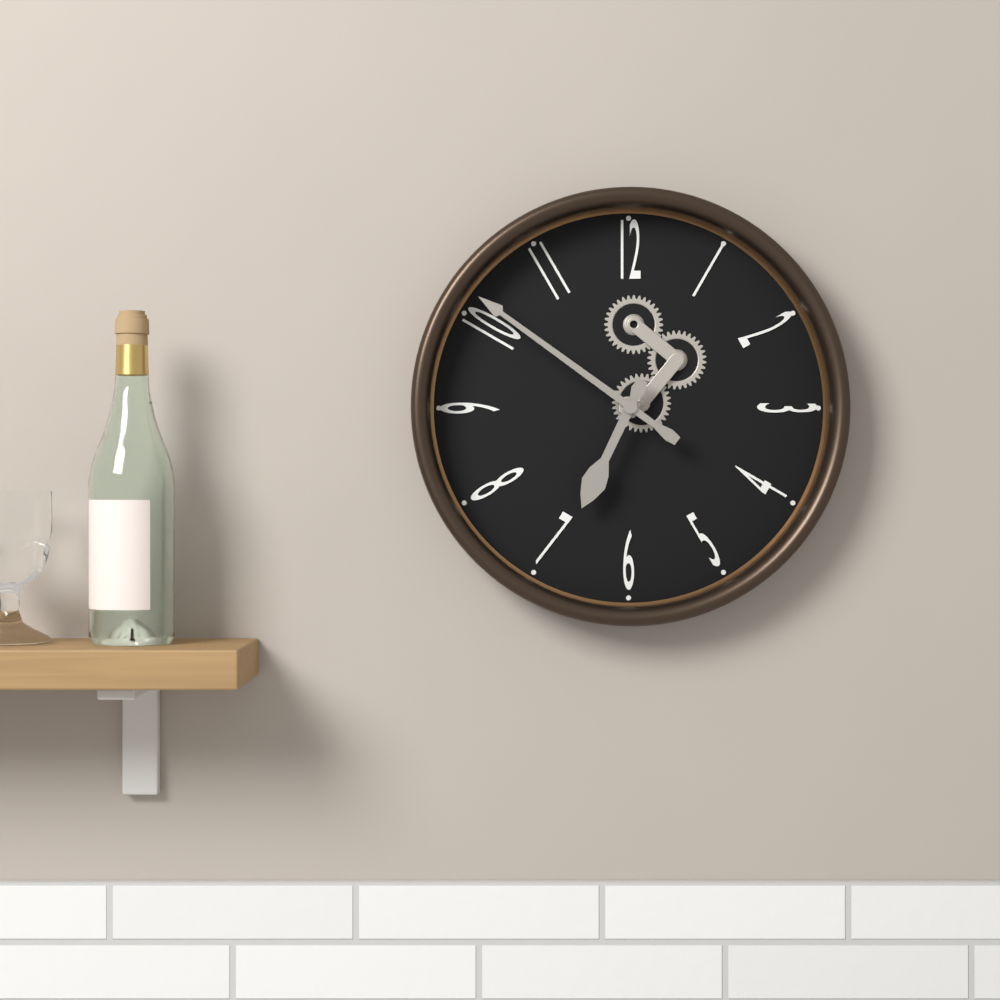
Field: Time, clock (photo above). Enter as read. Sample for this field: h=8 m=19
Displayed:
h=6 m=51
